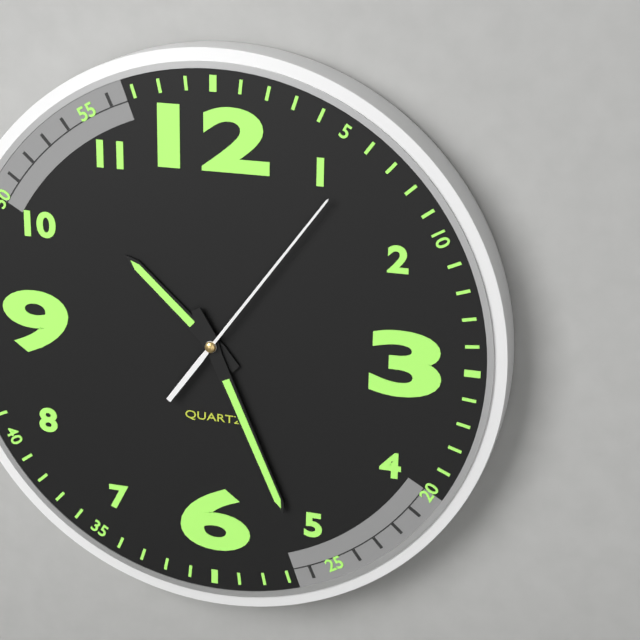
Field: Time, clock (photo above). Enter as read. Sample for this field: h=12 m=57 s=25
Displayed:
h=10 m=26 s=6
